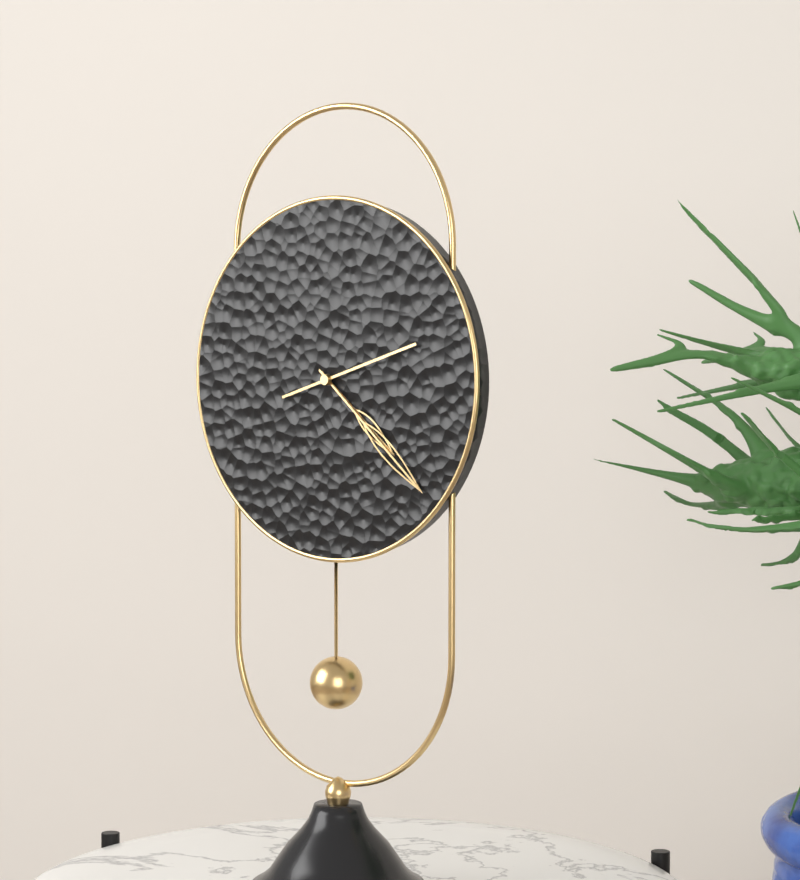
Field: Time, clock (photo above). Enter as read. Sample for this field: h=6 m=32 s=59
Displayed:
h=4 m=22 s=12
